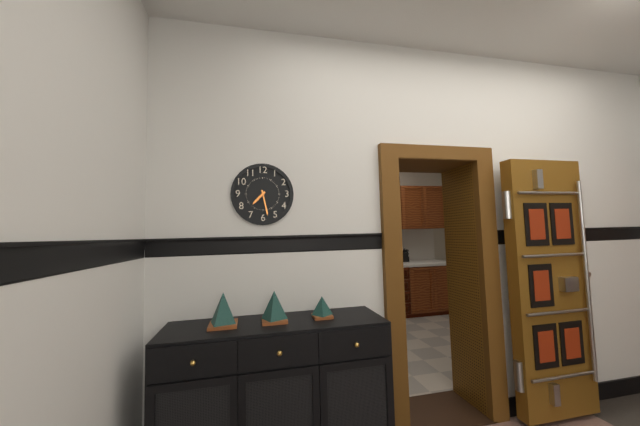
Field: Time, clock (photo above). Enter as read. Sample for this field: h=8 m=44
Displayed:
h=7 m=28
